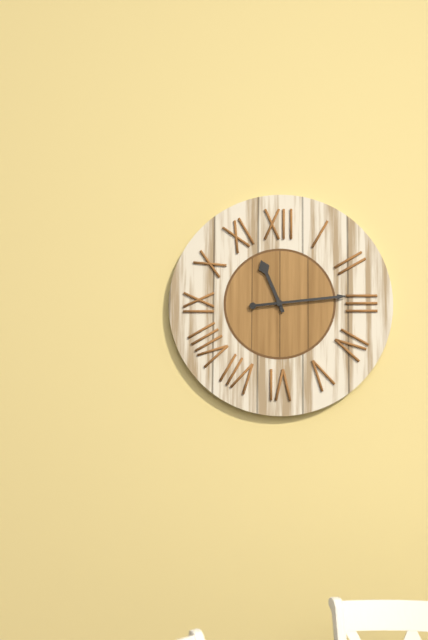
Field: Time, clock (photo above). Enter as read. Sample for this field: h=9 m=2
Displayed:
h=11 m=14
